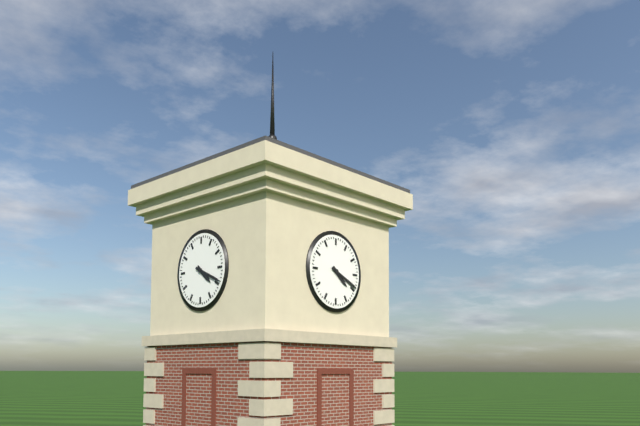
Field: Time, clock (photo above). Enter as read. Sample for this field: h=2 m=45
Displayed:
h=4 m=19
